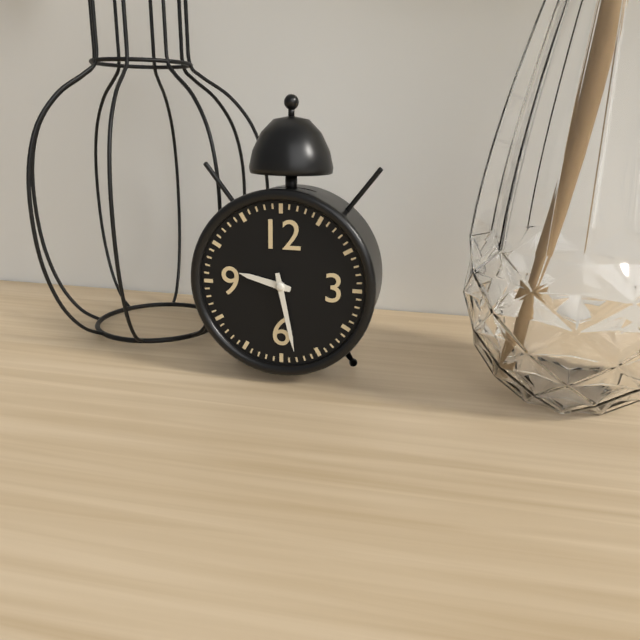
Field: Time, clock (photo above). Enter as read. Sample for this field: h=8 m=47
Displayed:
h=9 m=28
